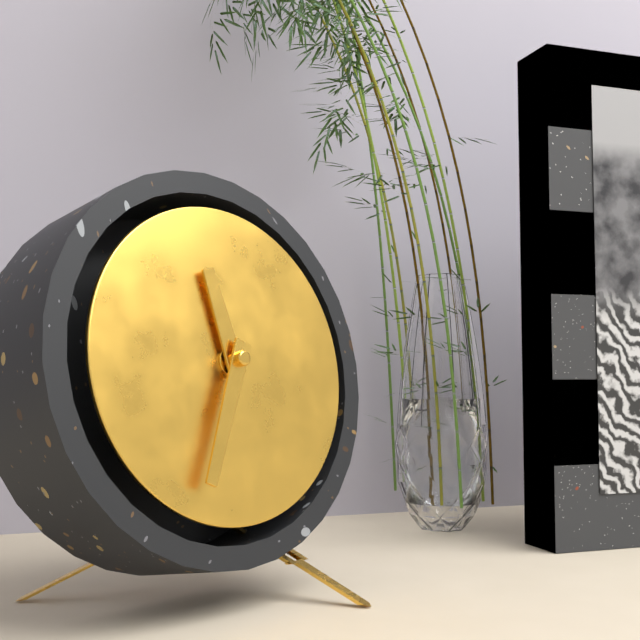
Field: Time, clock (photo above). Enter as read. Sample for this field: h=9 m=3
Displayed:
h=11 m=34
